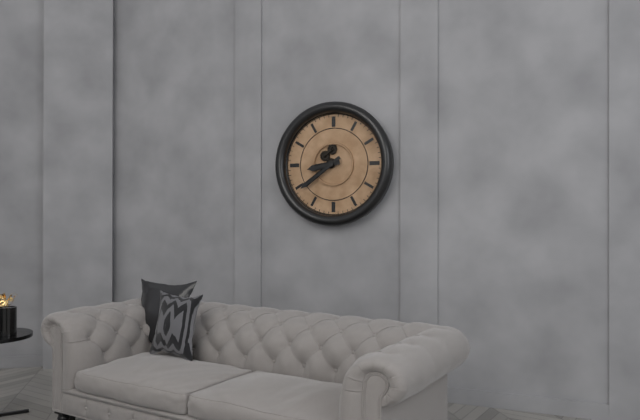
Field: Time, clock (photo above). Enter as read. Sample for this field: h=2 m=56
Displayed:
h=8 m=39
